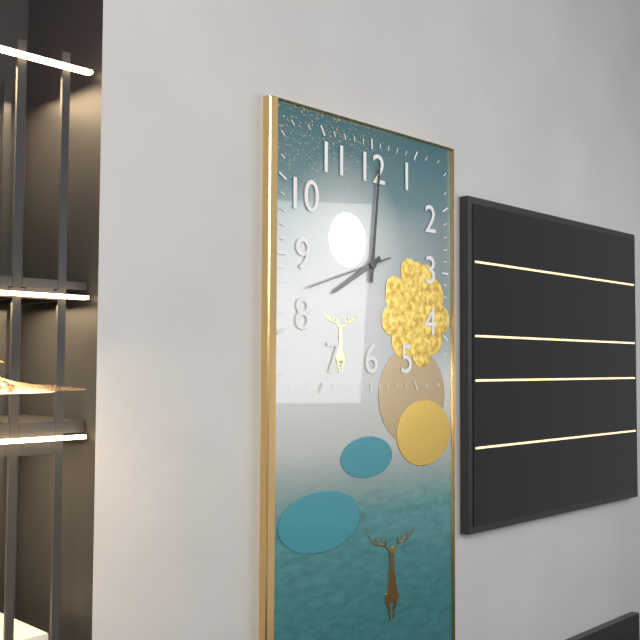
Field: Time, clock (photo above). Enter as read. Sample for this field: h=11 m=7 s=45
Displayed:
h=8 m=1 s=42
